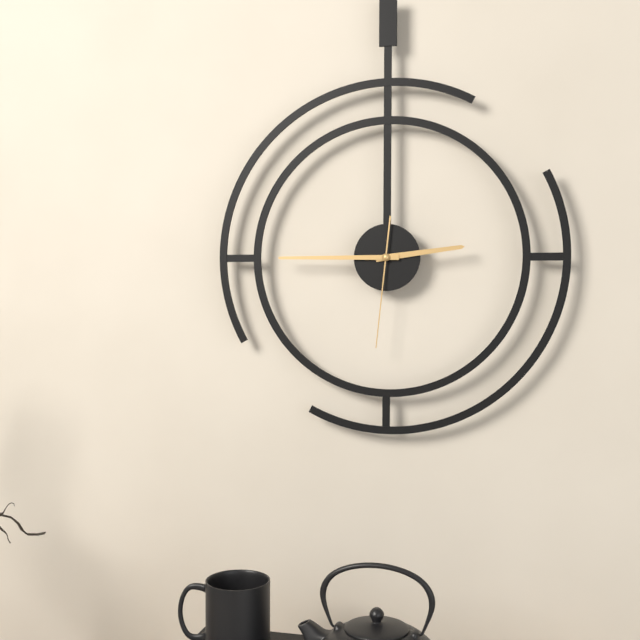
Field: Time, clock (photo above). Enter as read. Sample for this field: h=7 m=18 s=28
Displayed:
h=2 m=45 s=31
